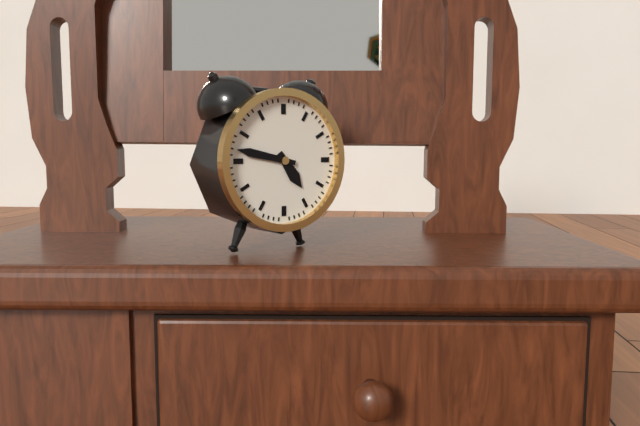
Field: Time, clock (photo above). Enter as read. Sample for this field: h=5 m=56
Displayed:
h=4 m=47
